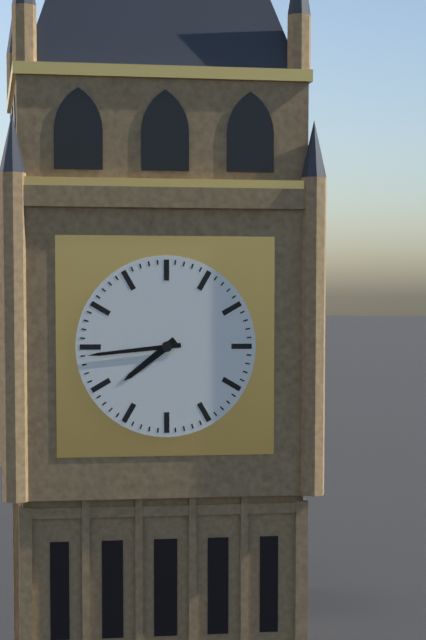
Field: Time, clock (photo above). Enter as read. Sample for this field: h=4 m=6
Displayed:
h=7 m=44
